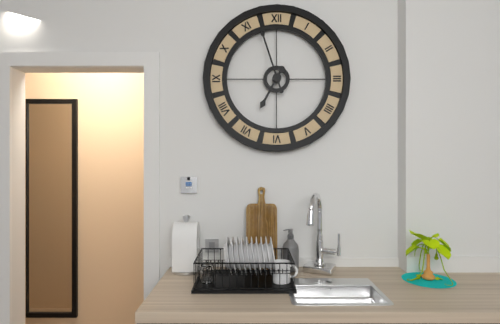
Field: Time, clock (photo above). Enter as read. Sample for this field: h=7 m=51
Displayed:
h=6 m=57
